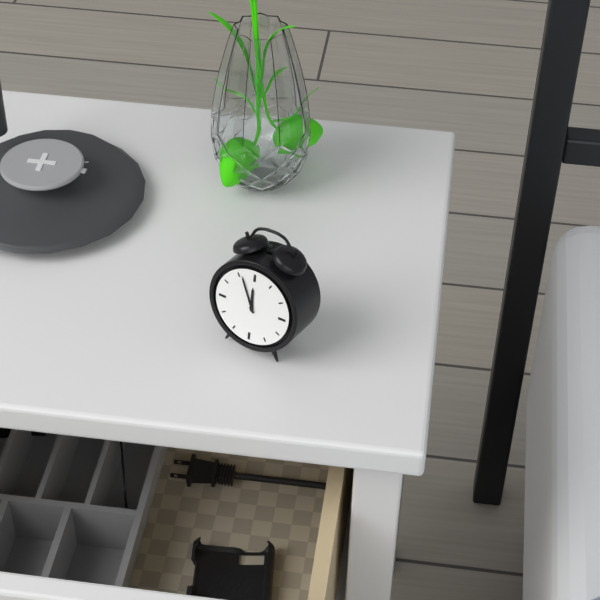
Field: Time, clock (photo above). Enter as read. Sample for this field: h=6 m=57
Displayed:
h=11 m=56
